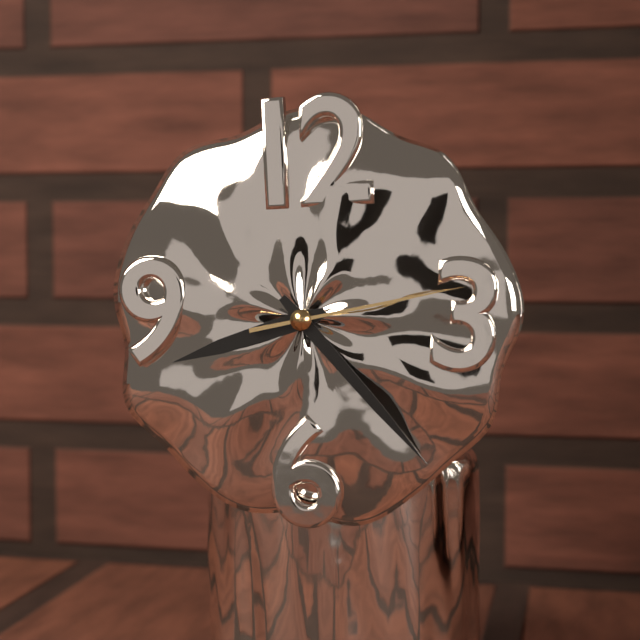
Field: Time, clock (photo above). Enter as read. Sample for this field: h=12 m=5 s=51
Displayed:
h=8 m=23 s=13
